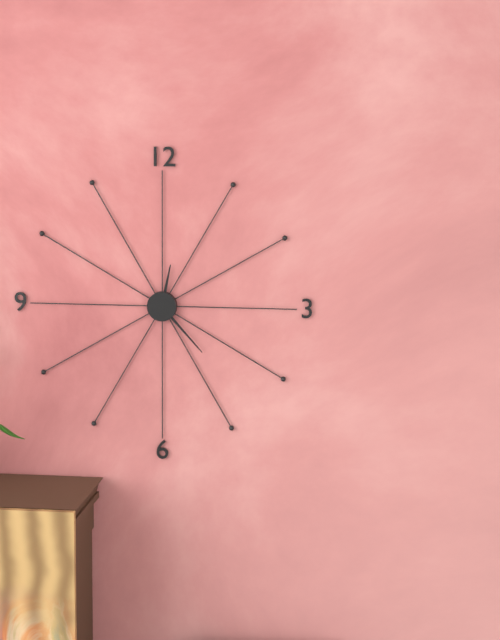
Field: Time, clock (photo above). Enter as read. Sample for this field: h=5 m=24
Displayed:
h=12 m=23
